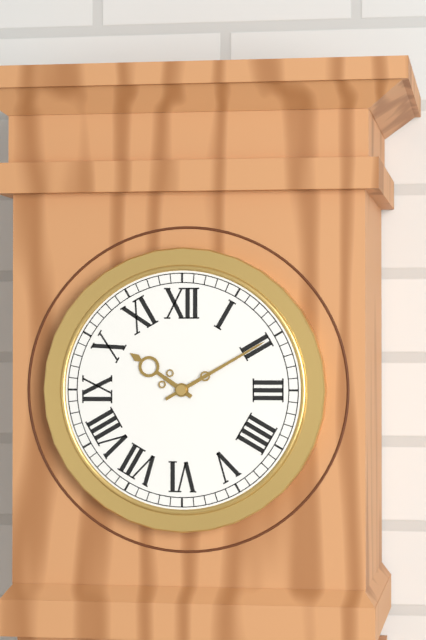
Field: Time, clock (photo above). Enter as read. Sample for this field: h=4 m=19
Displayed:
h=10 m=10
